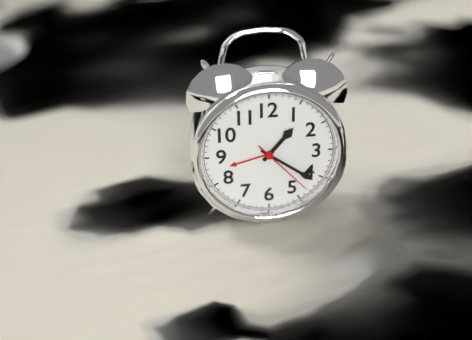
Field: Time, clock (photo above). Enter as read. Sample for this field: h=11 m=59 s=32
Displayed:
h=1 m=21 s=23
